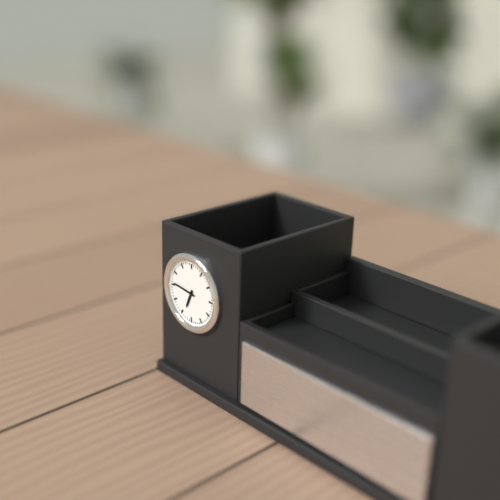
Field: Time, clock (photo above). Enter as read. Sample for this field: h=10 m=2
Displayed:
h=6 m=46
